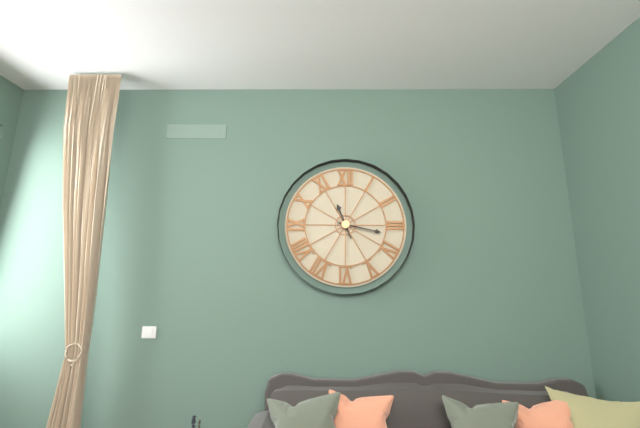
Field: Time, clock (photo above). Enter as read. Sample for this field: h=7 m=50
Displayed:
h=11 m=17
